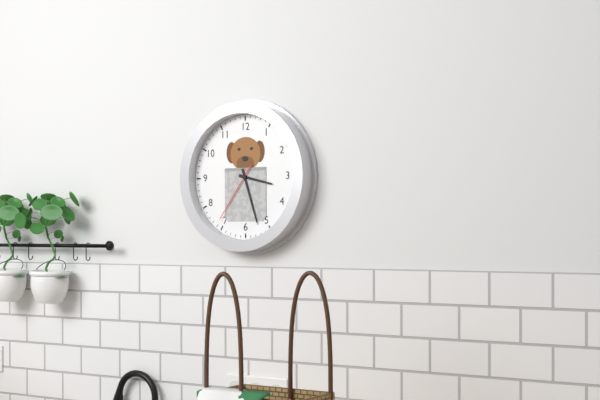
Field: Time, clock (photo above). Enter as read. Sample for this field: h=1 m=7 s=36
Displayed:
h=3 m=27 s=36
